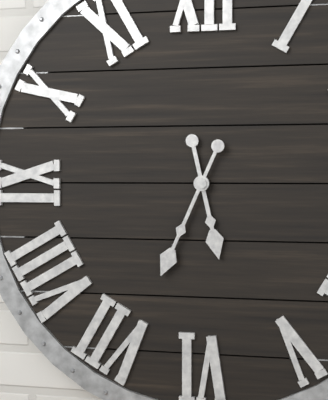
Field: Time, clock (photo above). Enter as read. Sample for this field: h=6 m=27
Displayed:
h=5 m=34
